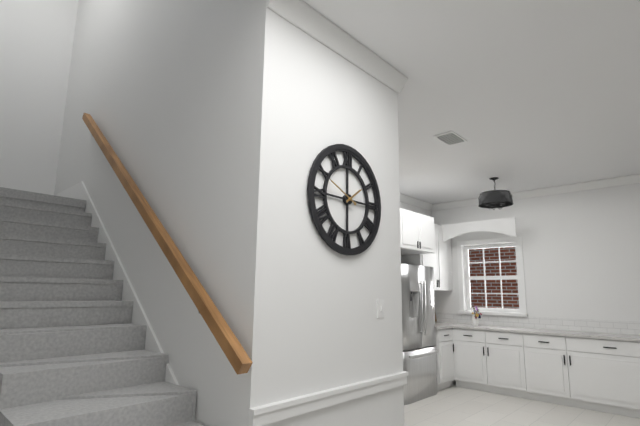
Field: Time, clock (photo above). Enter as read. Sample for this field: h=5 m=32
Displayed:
h=1 m=49
